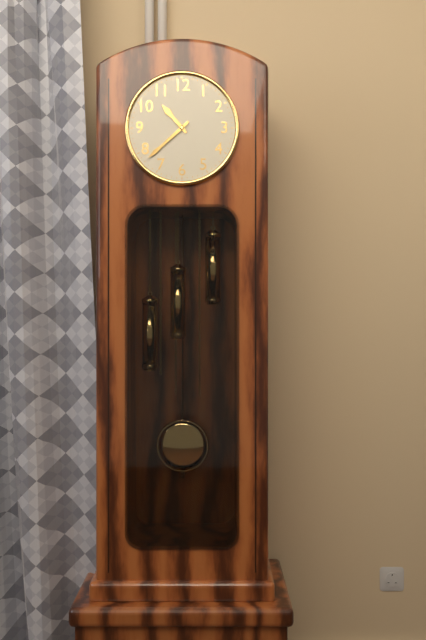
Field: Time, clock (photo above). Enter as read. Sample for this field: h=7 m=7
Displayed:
h=10 m=38
